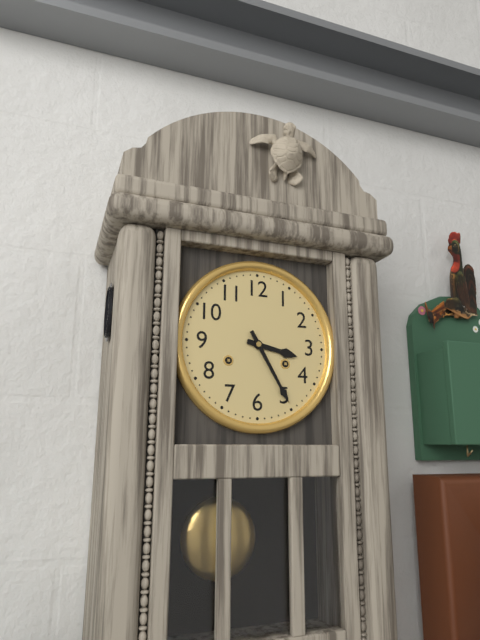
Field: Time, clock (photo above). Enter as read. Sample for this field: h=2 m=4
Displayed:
h=3 m=25
